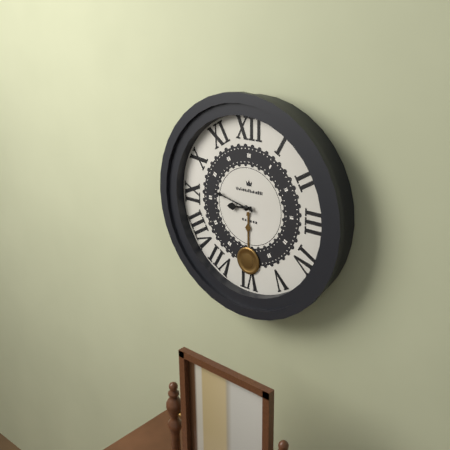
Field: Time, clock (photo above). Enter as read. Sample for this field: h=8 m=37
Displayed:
h=8 m=47
